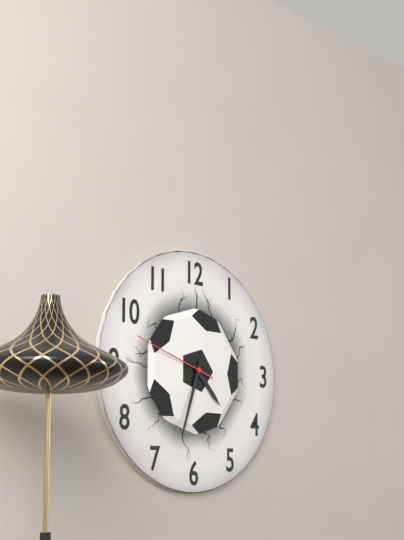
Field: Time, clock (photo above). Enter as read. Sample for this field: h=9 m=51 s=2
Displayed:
h=4 m=33 s=48
